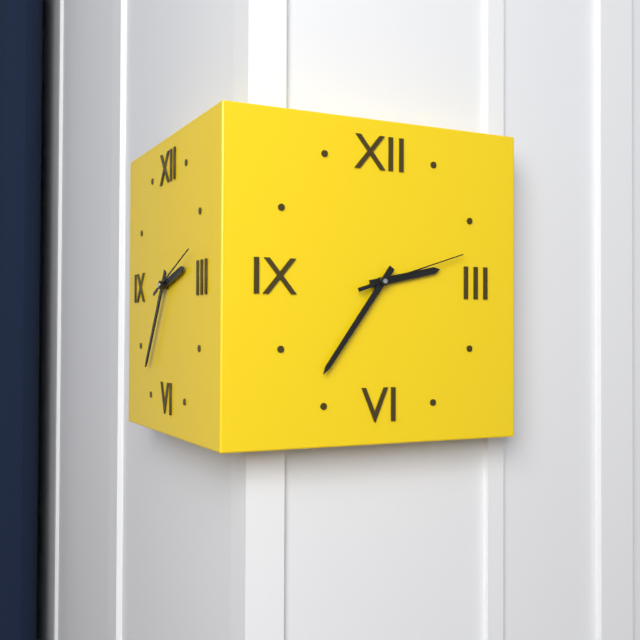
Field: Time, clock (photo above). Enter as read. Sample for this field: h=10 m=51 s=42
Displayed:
h=2 m=36 s=12
